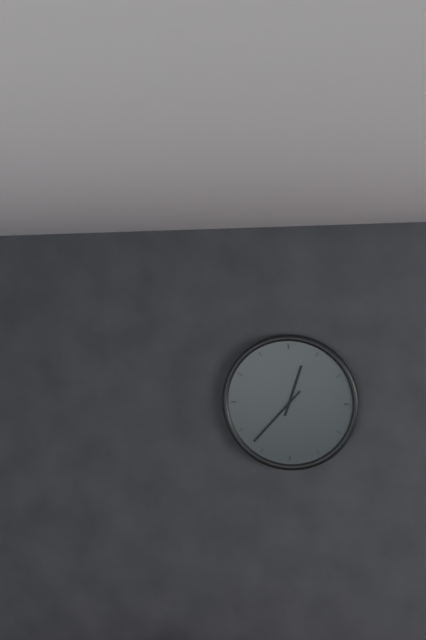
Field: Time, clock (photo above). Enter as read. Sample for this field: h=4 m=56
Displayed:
h=12 m=37
